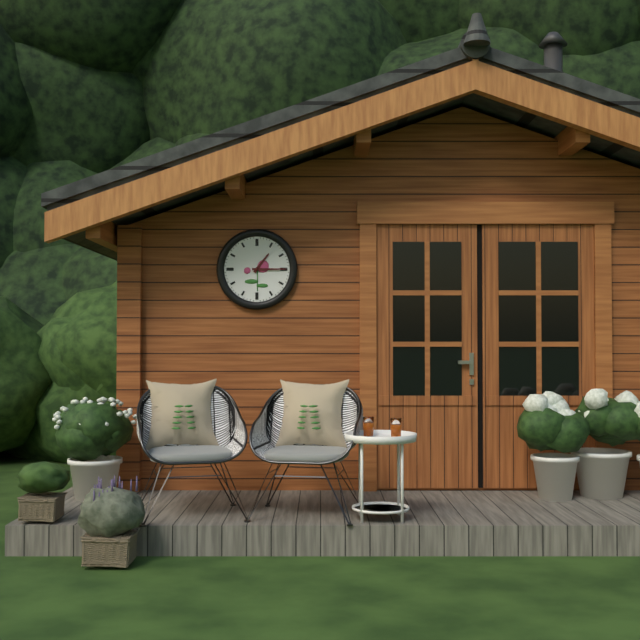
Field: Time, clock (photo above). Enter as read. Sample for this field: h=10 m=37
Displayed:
h=1 m=15
